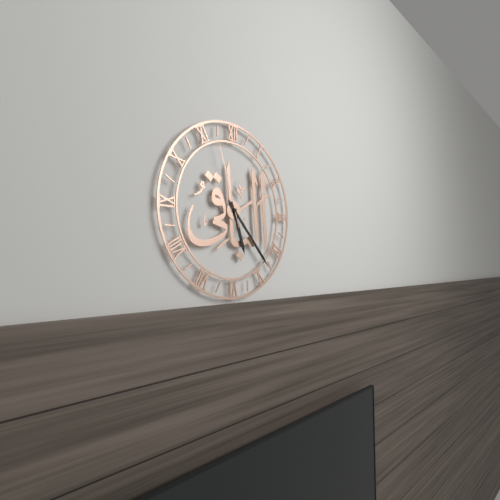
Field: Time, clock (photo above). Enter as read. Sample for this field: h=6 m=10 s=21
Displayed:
h=5 m=23 s=57
